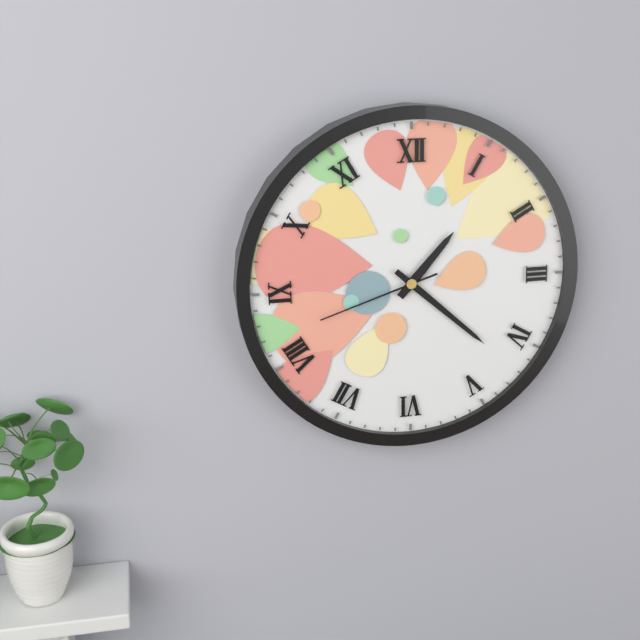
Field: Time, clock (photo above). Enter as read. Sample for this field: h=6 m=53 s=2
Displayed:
h=1 m=22 s=42
